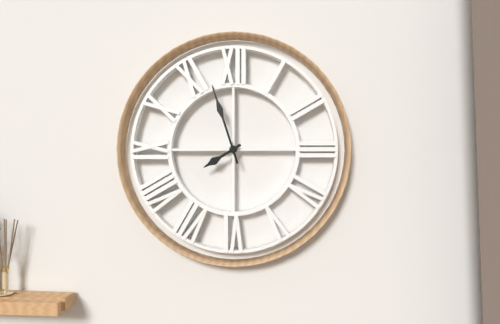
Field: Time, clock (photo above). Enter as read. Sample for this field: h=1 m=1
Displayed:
h=7 m=57
